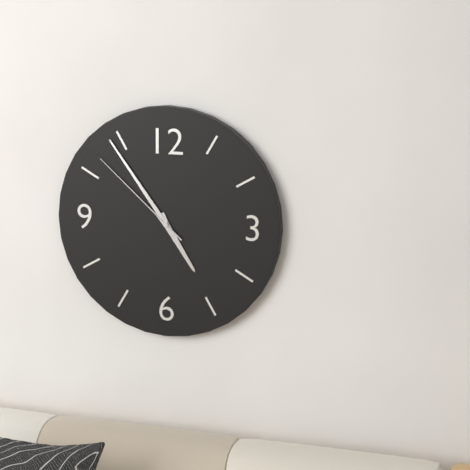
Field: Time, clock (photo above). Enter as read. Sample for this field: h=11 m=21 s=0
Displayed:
h=4 m=54 s=52
